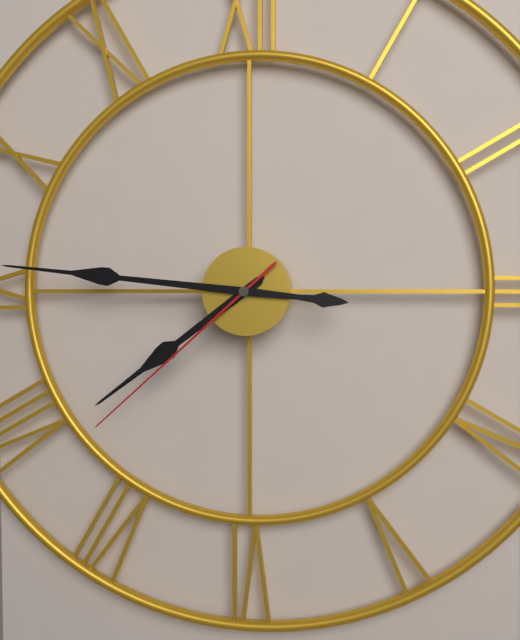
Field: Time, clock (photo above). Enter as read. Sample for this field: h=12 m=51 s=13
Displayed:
h=7 m=46 s=38
